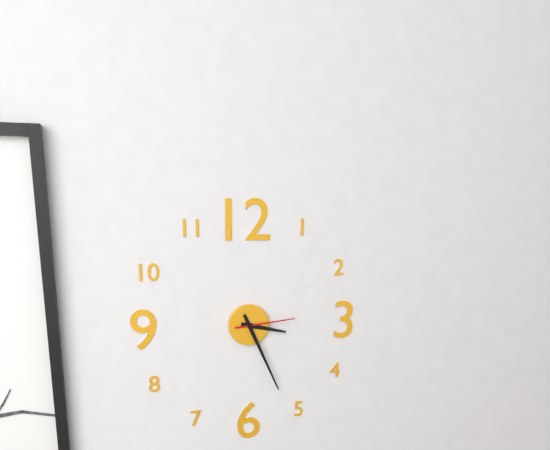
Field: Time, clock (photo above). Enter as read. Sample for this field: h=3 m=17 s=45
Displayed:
h=3 m=26 s=14
